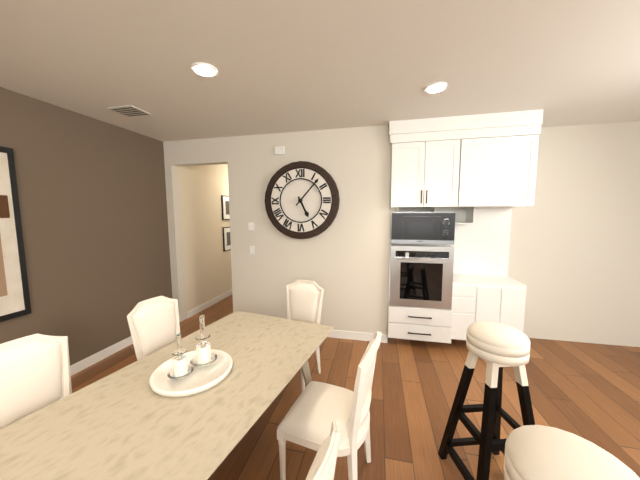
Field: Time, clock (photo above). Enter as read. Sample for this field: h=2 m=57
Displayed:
h=5 m=7
